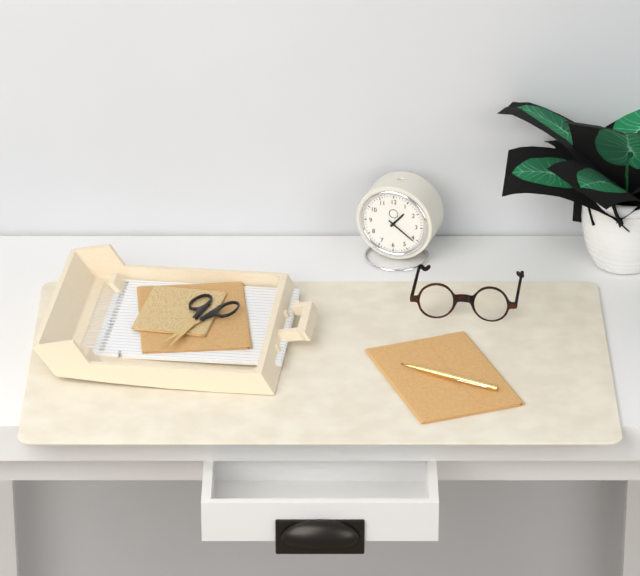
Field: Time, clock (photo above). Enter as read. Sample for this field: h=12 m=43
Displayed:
h=1 m=21
